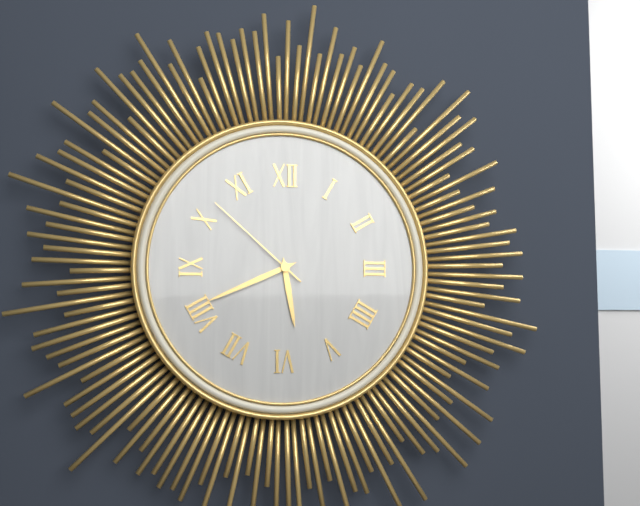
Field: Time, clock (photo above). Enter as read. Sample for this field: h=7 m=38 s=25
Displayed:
h=5 m=41 s=52
